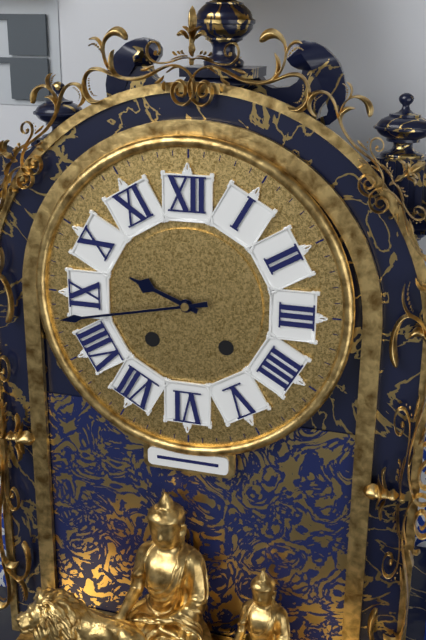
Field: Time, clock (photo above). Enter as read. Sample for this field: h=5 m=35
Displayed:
h=9 m=43
